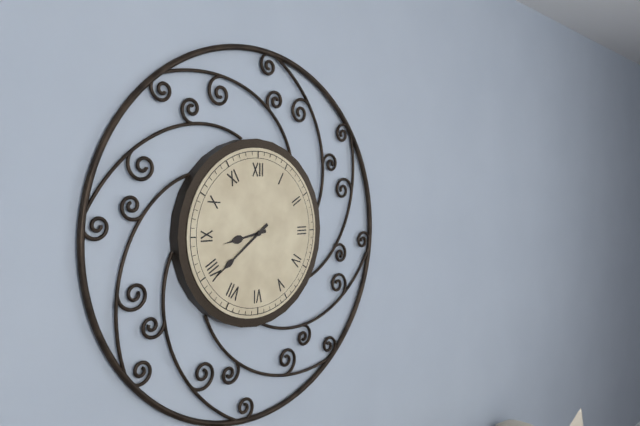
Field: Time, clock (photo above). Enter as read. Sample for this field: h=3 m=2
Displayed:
h=8 m=39
